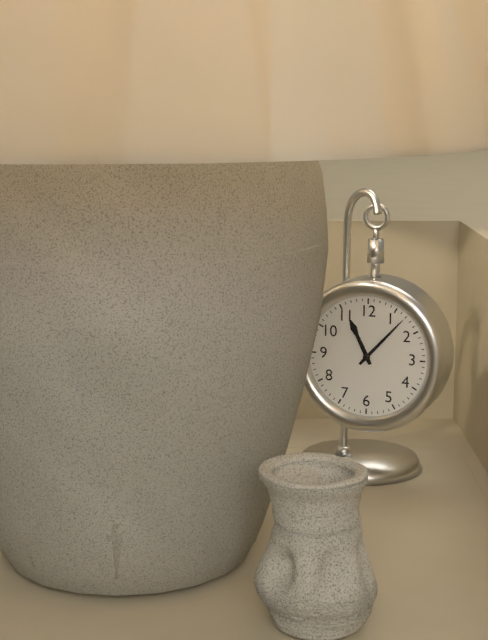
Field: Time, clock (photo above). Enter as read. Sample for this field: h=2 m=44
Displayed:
h=11 m=7
